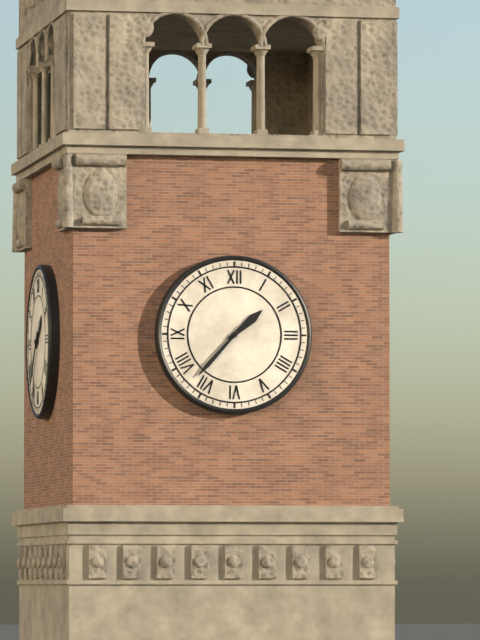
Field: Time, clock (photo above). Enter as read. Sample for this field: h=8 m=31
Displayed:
h=1 m=37
